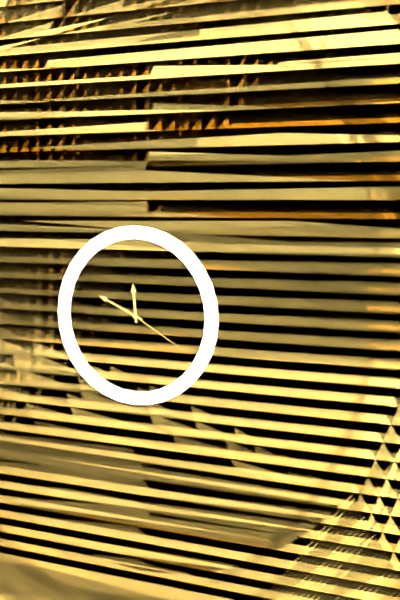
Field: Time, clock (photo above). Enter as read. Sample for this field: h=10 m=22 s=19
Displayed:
h=11 m=49 s=20
